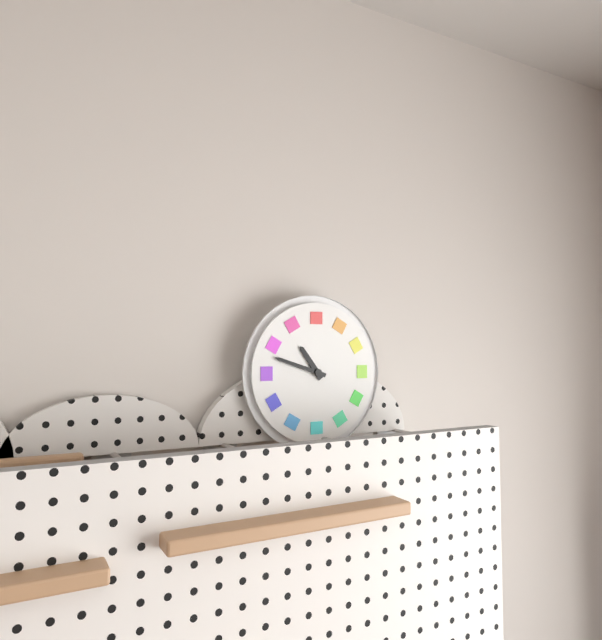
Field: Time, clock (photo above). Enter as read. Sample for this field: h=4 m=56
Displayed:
h=10 m=48
